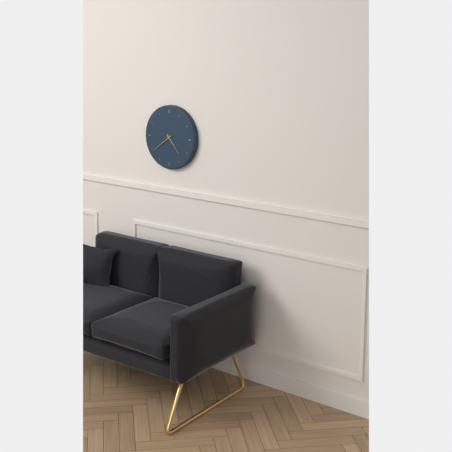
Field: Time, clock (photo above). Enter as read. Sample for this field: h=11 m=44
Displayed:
h=4 m=39
